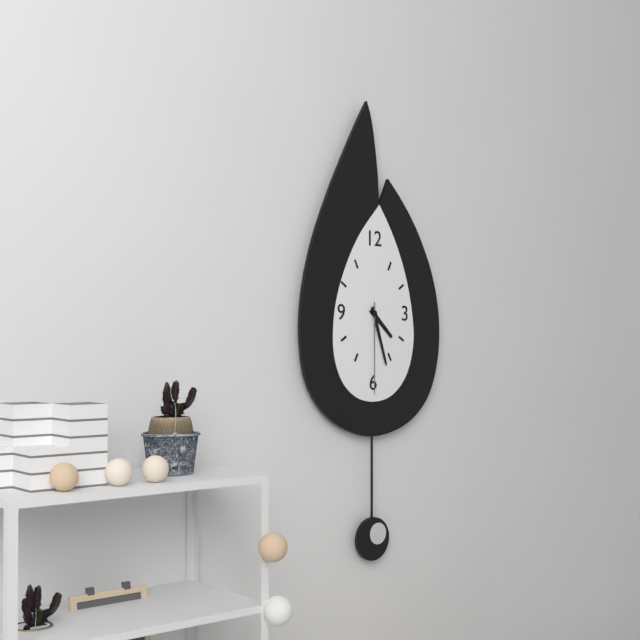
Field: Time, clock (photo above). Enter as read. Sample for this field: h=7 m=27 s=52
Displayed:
h=4 m=27 s=30
